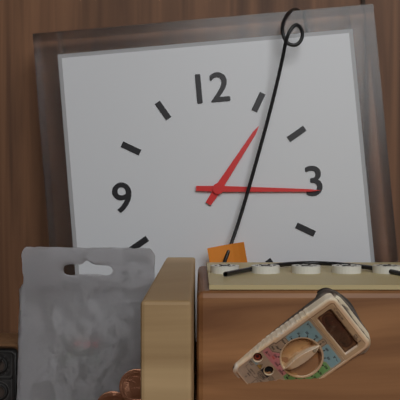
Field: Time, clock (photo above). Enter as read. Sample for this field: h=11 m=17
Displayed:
h=1 m=16
